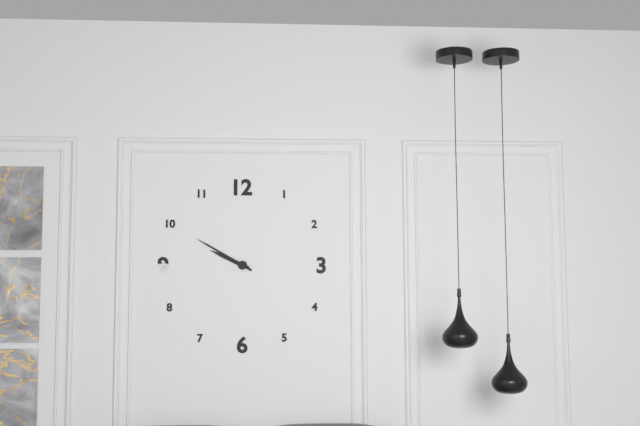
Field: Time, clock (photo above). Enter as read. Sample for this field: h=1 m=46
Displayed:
h=9 m=50
